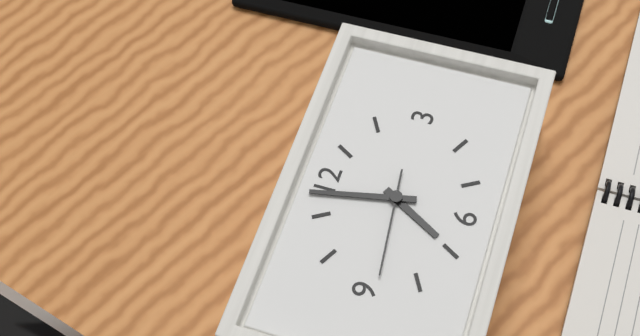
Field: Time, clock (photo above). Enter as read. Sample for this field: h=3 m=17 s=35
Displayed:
h=6 m=58 s=44
